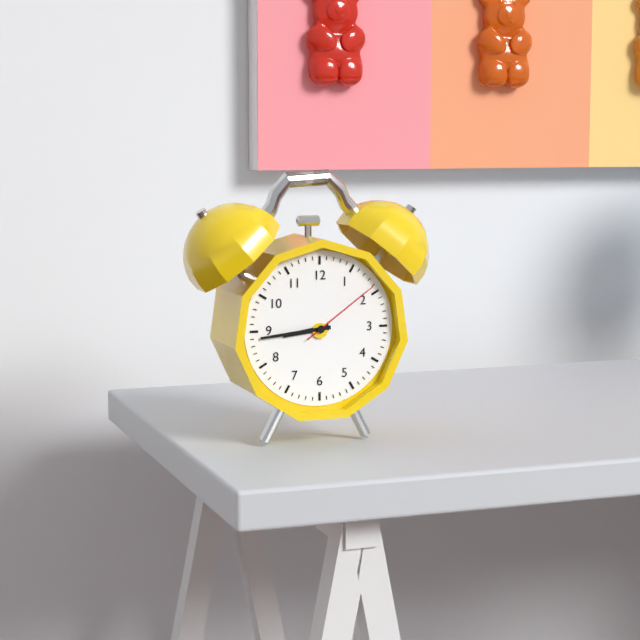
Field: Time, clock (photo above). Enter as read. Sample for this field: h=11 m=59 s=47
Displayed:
h=8 m=44 s=9
